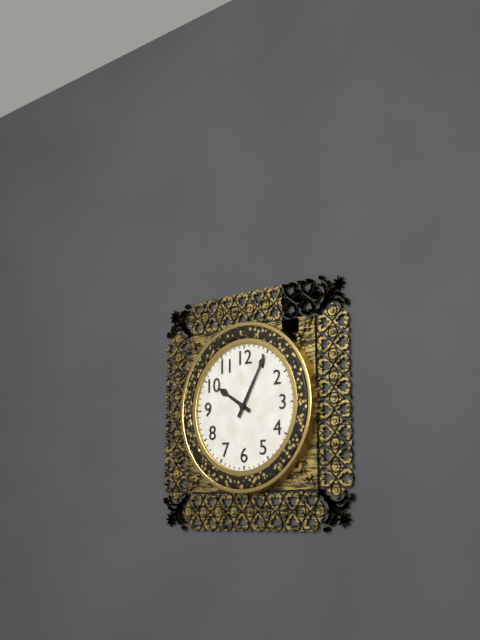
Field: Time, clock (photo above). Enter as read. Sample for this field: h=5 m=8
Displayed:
h=10 m=5
